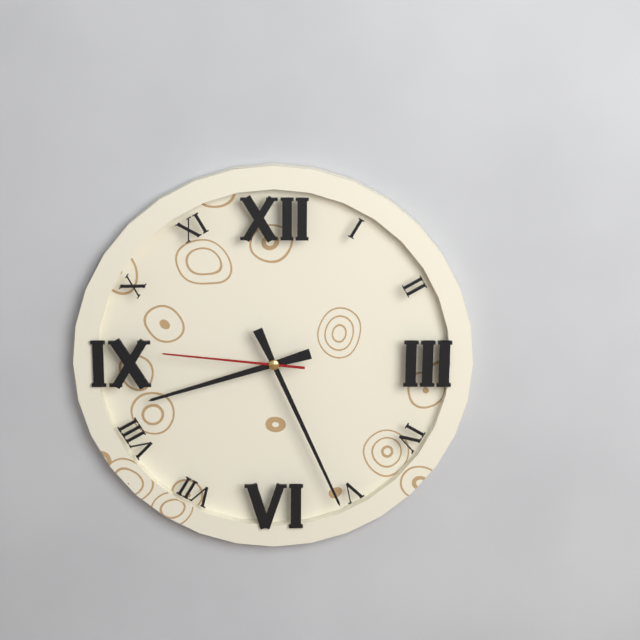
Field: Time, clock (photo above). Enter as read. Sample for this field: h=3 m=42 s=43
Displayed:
h=8 m=26 s=46
